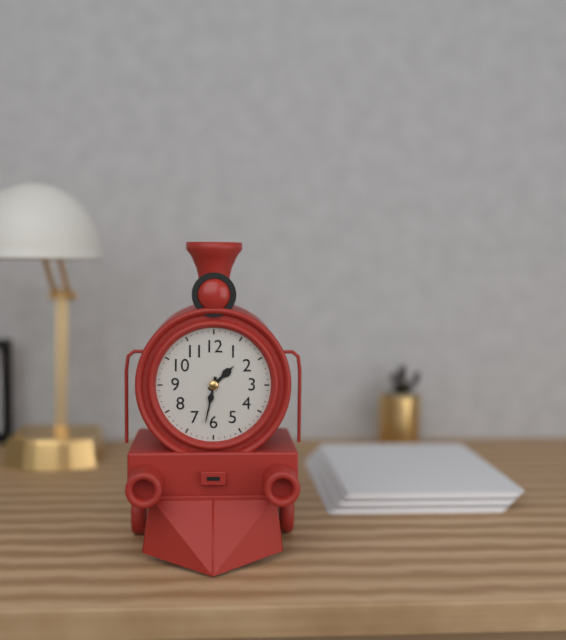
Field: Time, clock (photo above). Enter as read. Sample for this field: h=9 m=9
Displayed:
h=1 m=32
